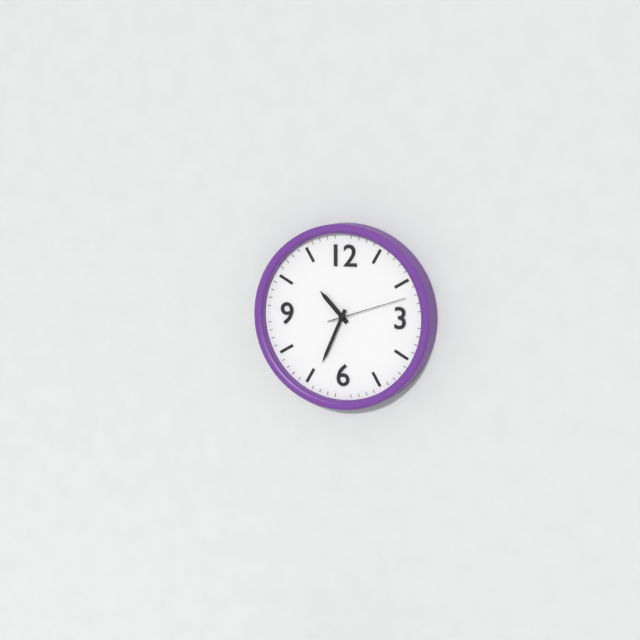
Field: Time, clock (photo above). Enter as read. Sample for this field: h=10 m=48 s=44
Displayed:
h=10 m=34 s=12
